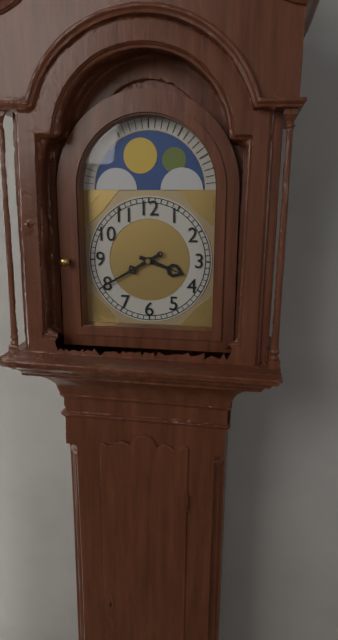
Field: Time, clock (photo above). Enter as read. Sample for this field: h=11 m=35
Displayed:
h=3 m=40
